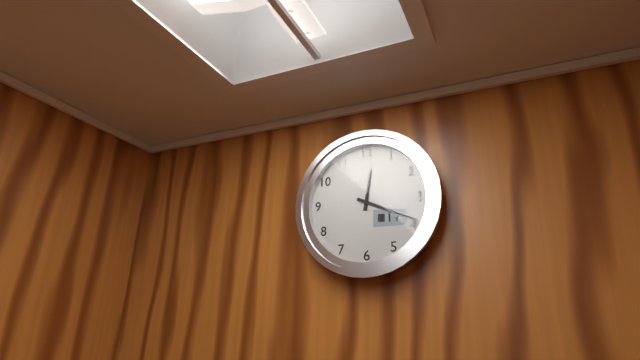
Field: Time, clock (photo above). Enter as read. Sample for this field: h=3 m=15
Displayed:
h=12 m=19
